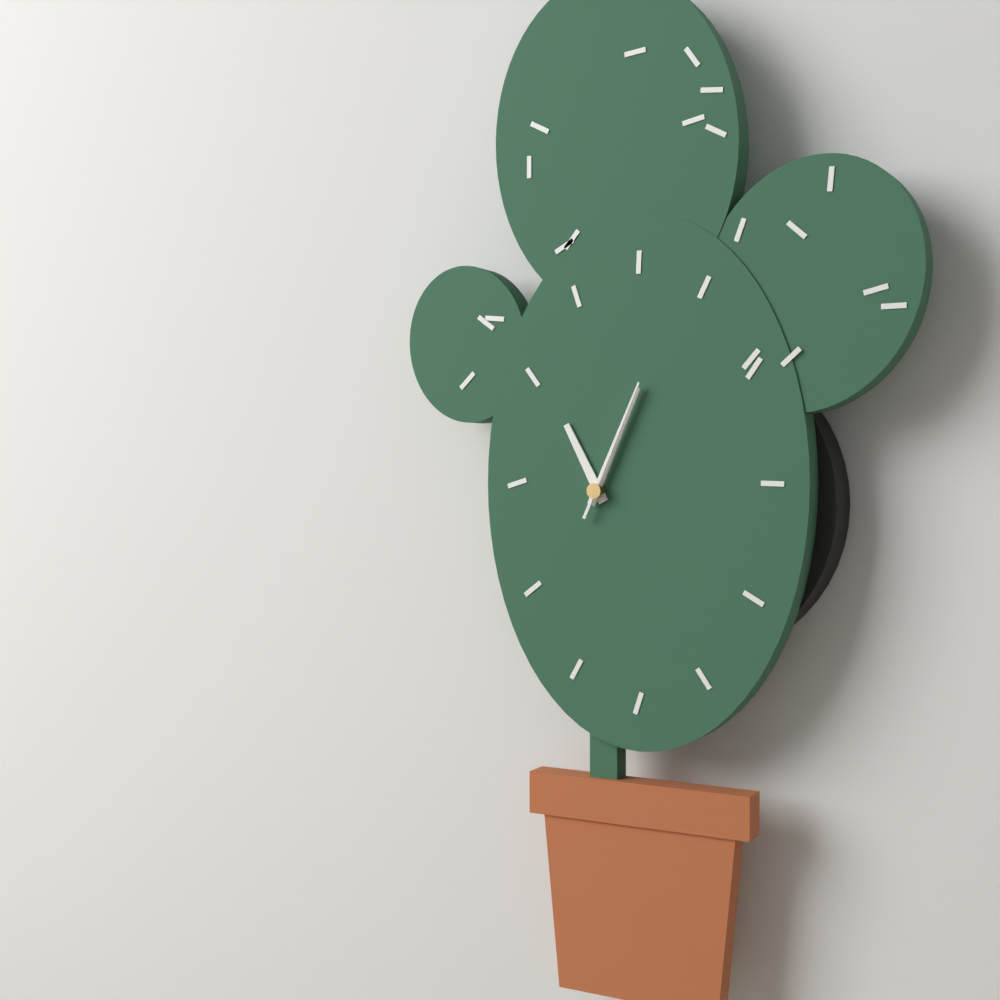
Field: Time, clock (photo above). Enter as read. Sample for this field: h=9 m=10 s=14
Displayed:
h=11 m=4 s=4
